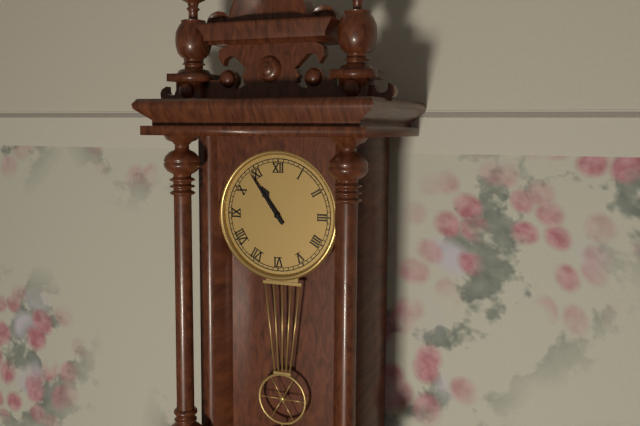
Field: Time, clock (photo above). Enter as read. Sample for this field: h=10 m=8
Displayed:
h=10 m=54
